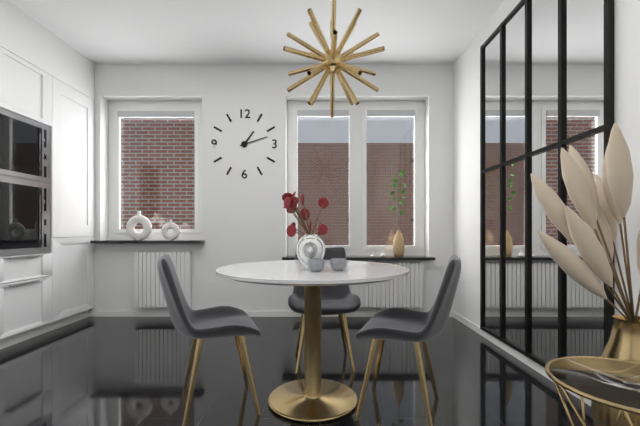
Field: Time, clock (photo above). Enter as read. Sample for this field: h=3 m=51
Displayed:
h=1 m=12
